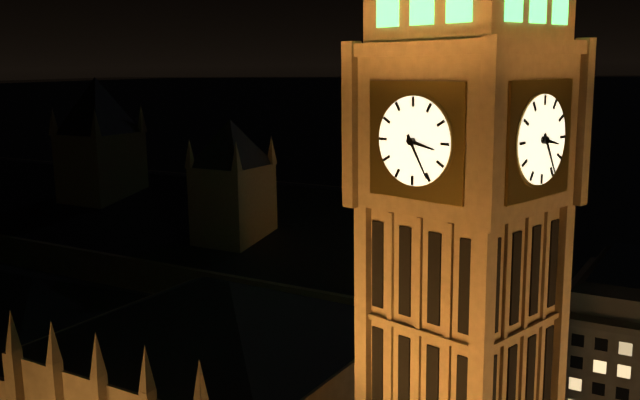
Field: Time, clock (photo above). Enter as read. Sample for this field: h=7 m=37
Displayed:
h=3 m=25
